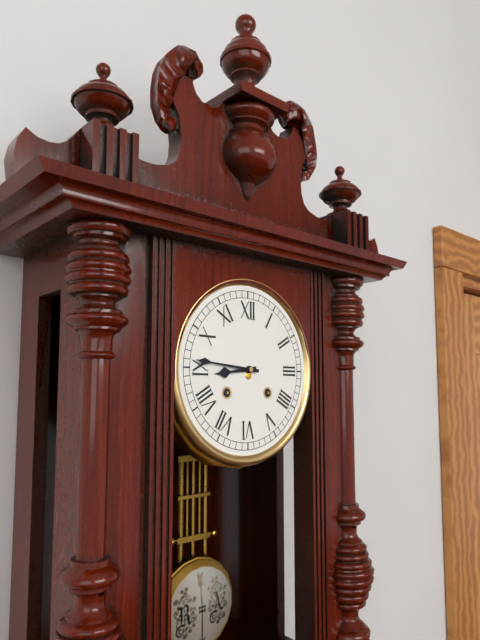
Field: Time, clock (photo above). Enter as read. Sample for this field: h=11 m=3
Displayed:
h=8 m=46
